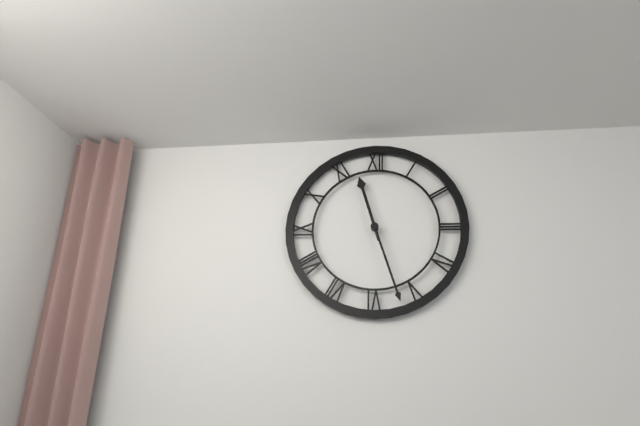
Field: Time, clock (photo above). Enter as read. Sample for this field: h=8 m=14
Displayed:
h=11 m=27
